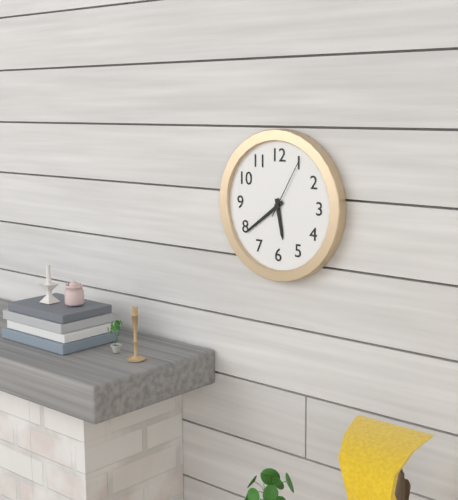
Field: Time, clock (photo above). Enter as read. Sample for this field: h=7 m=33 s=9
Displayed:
h=5 m=39 s=5
